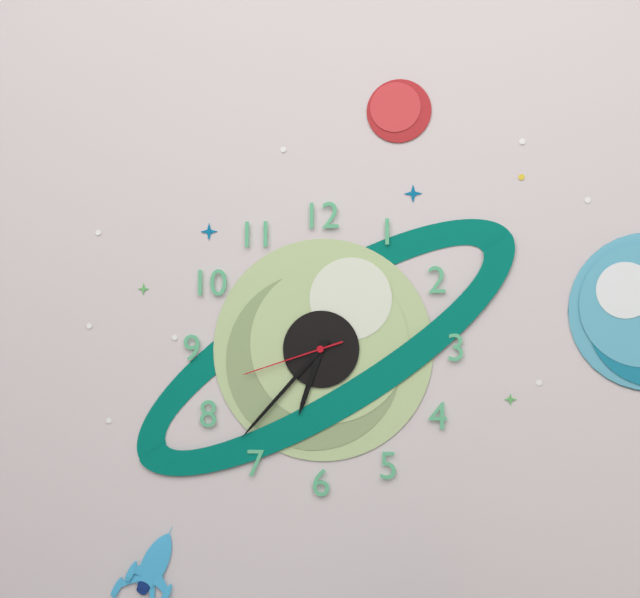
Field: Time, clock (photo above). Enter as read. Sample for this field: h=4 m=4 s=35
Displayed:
h=6 m=37 s=42
